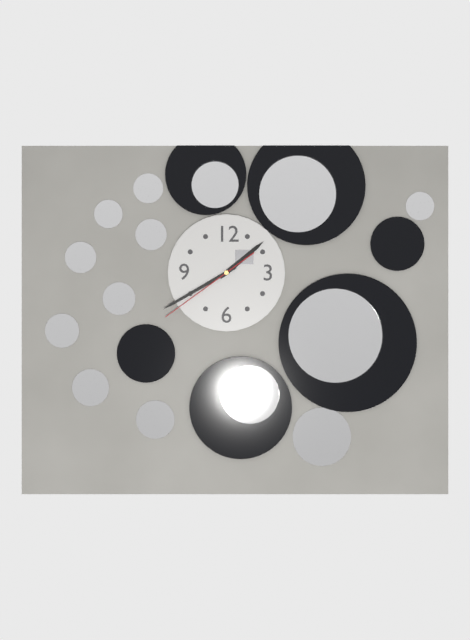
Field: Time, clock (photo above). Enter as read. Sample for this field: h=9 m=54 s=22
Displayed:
h=1 m=40 s=39
